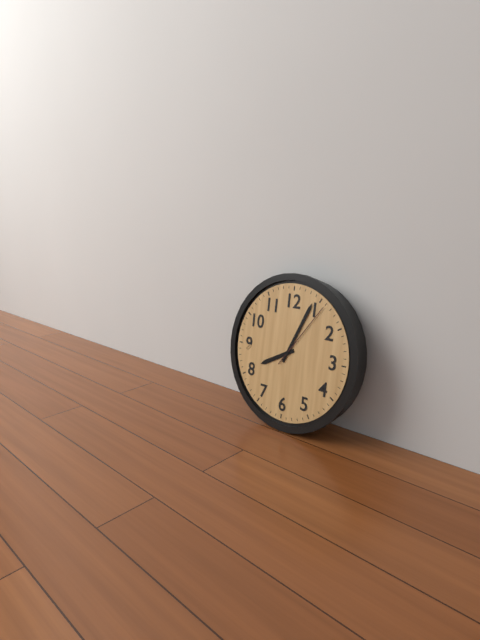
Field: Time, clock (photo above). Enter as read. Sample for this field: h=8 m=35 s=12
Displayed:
h=8 m=4 s=6
